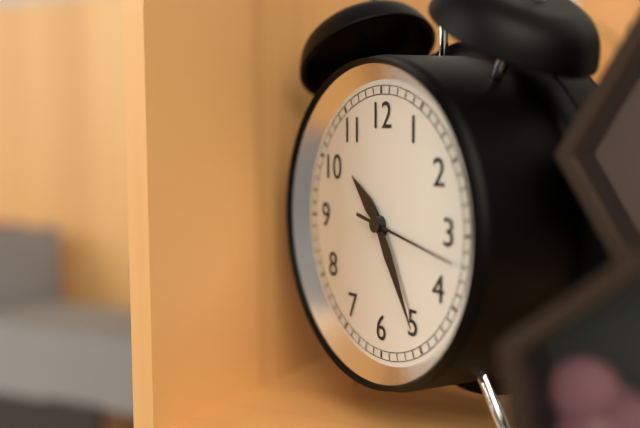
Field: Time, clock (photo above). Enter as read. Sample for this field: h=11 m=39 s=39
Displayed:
h=10 m=25 s=17
